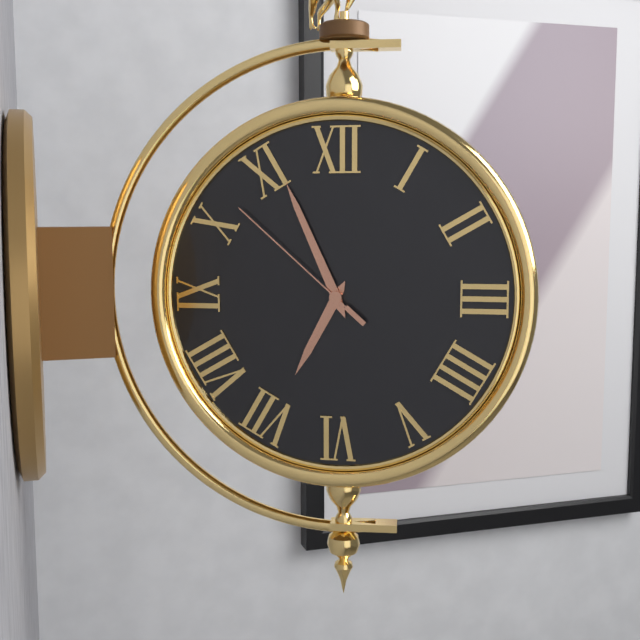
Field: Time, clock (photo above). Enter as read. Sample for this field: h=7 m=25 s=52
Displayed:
h=6 m=56 s=52
